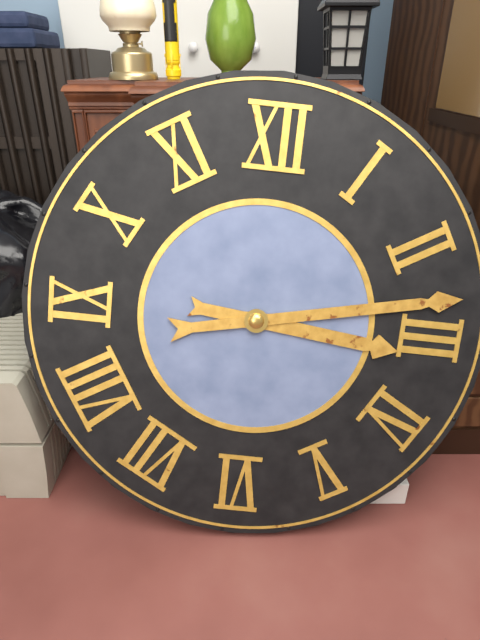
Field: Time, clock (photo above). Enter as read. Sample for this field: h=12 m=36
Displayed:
h=3 m=13
